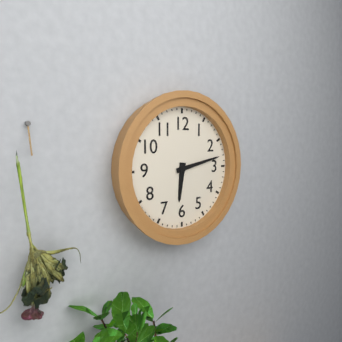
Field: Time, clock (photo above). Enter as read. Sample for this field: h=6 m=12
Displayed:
h=6 m=13
